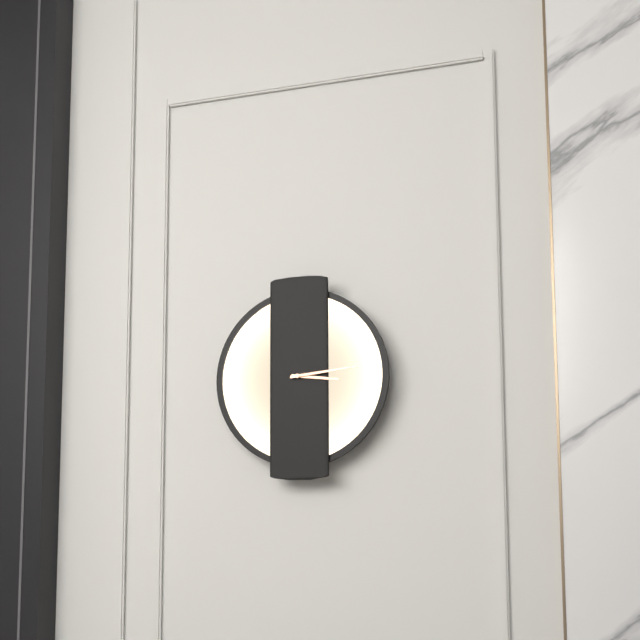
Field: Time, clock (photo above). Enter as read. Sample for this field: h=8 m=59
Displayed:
h=3 m=14
